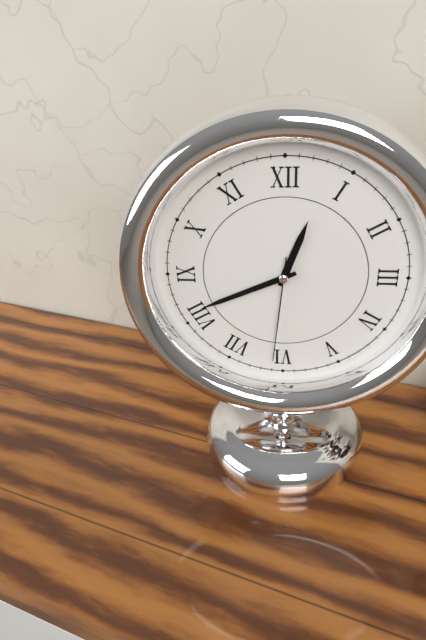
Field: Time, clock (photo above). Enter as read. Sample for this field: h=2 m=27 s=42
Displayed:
h=12 m=41 s=31
